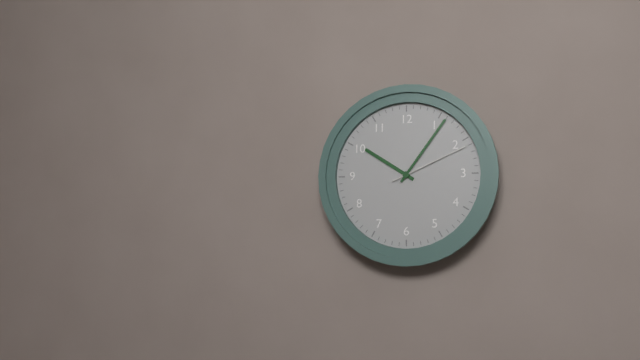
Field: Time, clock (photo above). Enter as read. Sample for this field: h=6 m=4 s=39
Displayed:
h=10 m=6 s=11
